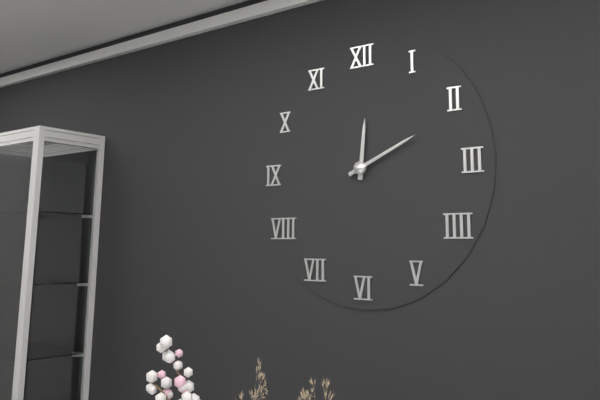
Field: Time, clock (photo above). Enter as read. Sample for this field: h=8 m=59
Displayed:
h=12 m=11
